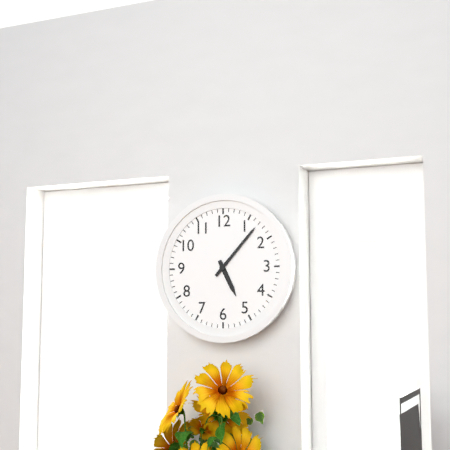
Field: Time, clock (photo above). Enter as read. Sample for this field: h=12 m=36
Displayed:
h=5 m=7
